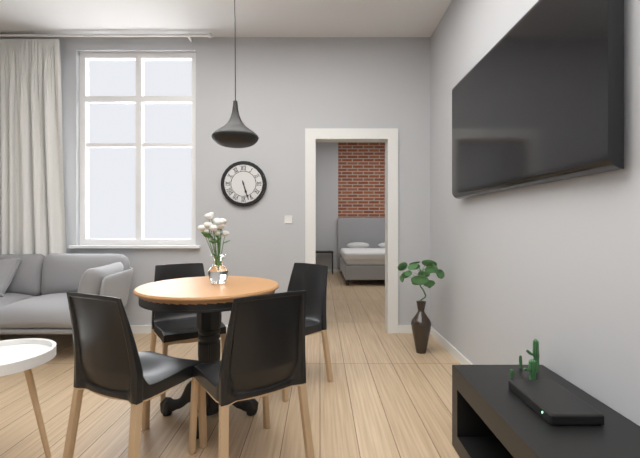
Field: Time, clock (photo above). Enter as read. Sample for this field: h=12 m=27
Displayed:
h=5 m=27
